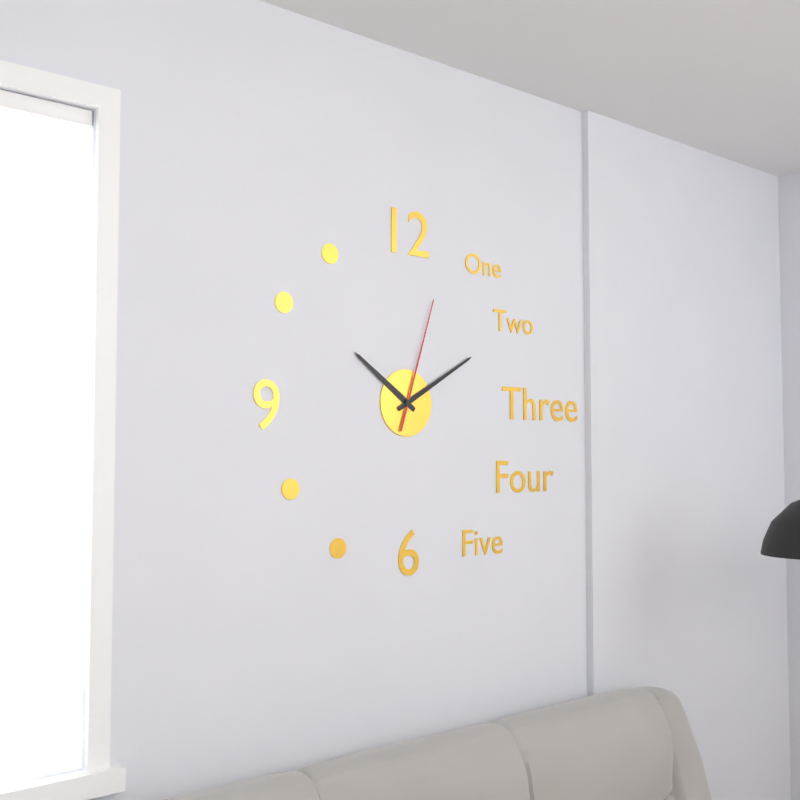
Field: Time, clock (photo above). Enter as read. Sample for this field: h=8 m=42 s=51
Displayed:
h=10 m=10 s=3
